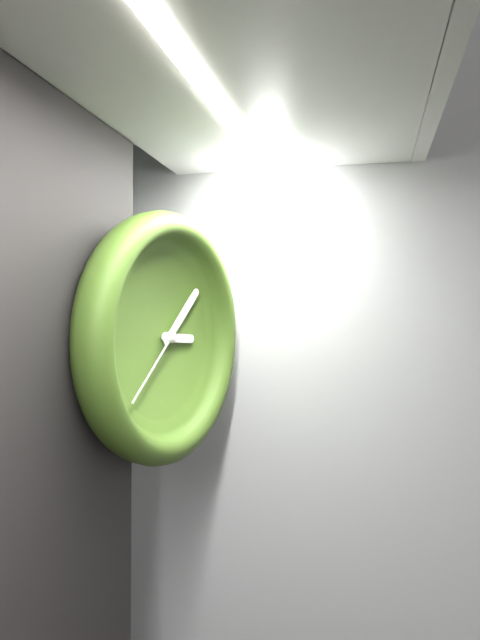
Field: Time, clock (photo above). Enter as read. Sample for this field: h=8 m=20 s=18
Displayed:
h=3 m=8 s=38
